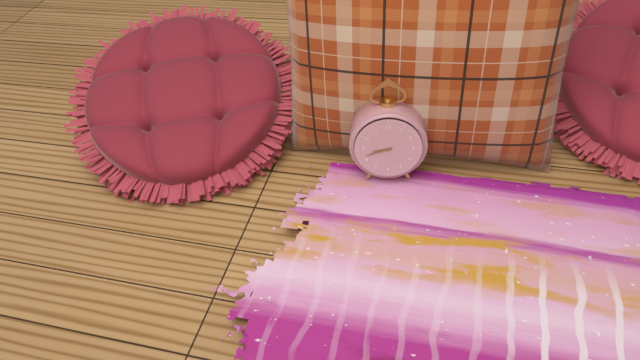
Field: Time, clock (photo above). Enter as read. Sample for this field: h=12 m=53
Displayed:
h=8 m=42
